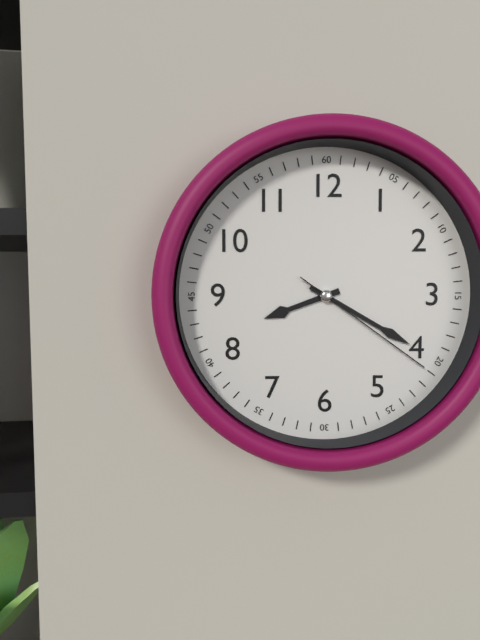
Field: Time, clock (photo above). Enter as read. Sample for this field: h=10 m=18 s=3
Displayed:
h=8 m=20 s=21
